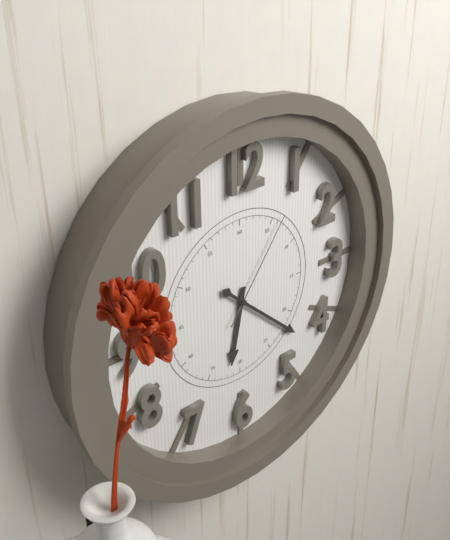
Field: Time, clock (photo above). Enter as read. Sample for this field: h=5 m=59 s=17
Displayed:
h=6 m=22 s=6
